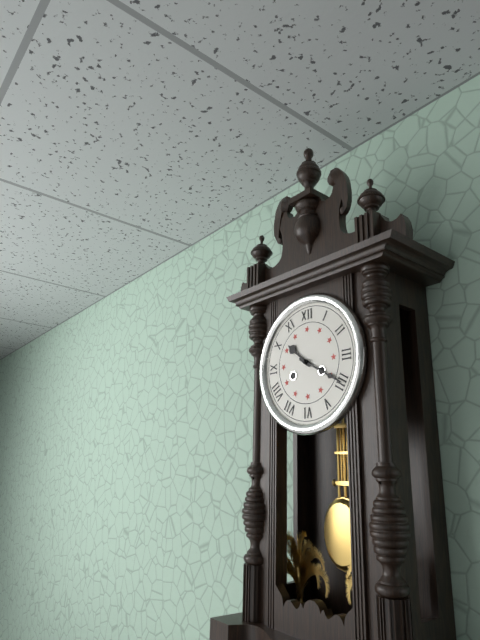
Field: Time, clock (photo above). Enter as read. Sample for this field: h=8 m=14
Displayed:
h=10 m=20
